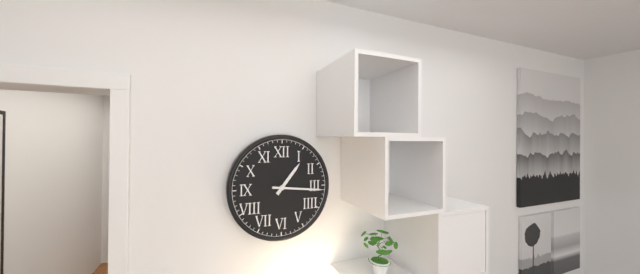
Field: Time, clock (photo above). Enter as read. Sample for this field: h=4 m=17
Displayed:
h=1 m=16
